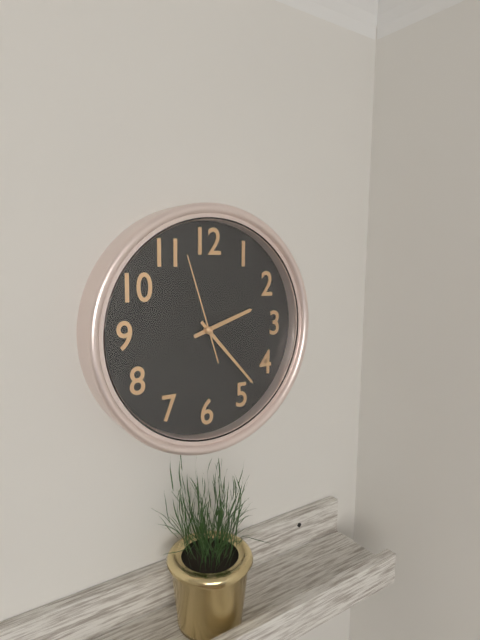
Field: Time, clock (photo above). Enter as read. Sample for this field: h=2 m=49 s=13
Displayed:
h=2 m=23 s=57
